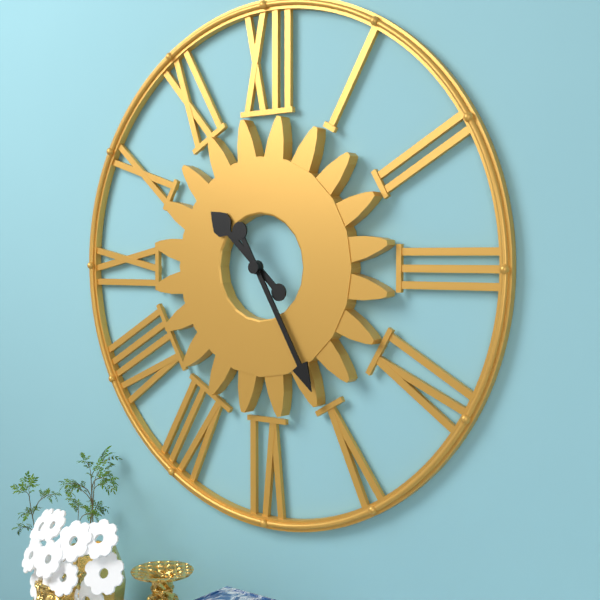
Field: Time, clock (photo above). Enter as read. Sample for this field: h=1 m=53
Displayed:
h=10 m=25
